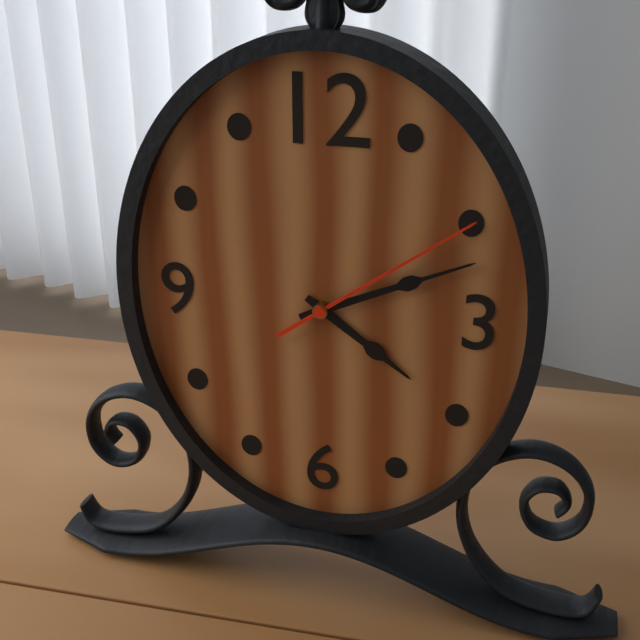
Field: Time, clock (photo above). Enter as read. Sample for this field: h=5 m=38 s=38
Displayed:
h=4 m=11 s=9
